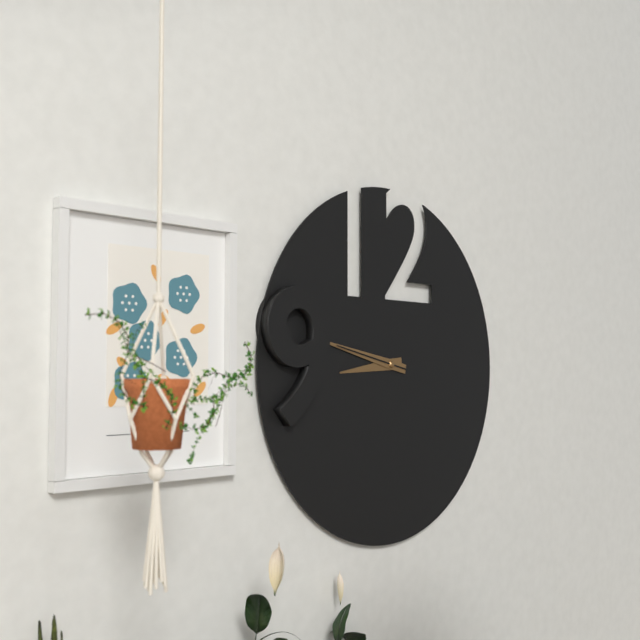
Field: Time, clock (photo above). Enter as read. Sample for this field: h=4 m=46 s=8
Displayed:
h=8 m=47 s=47
